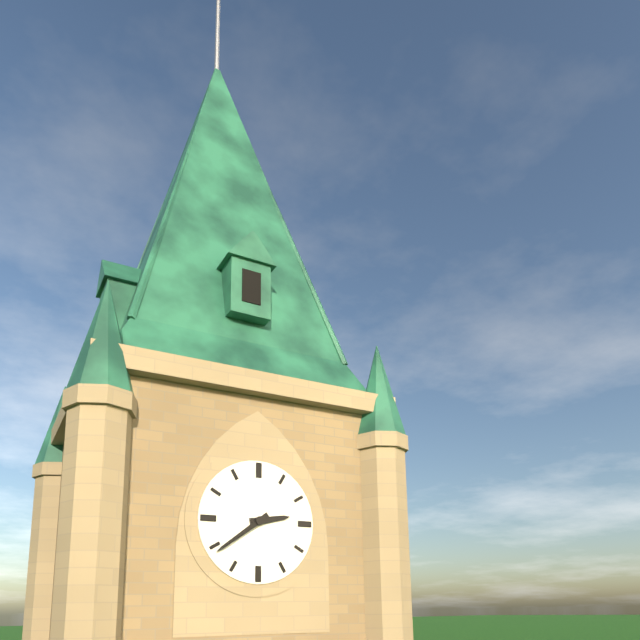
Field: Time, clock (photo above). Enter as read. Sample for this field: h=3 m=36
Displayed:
h=2 m=39
